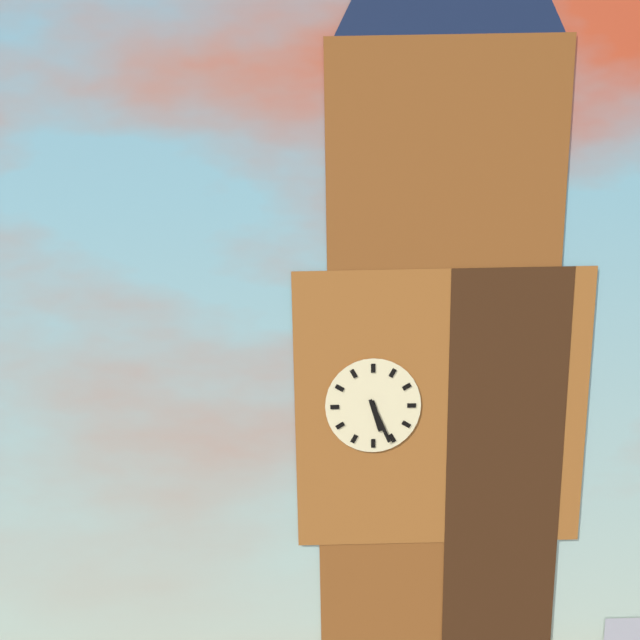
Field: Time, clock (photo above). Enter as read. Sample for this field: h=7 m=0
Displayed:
h=5 m=26
